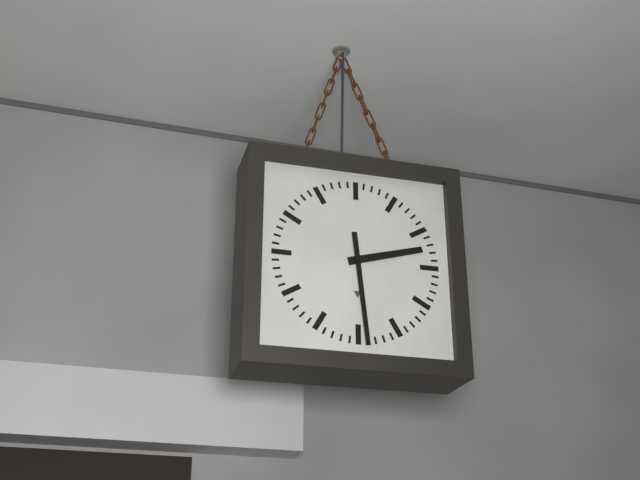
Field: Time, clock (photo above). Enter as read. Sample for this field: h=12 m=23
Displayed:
h=2 m=29
